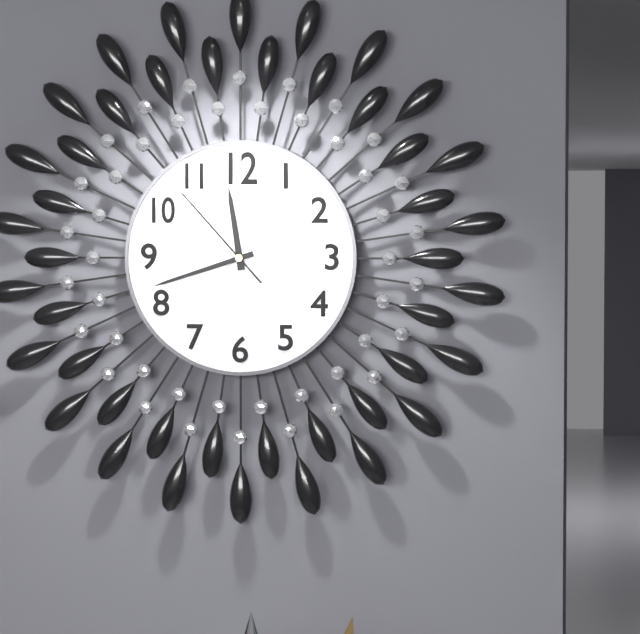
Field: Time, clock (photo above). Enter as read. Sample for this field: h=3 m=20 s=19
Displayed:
h=11 m=42 s=53
